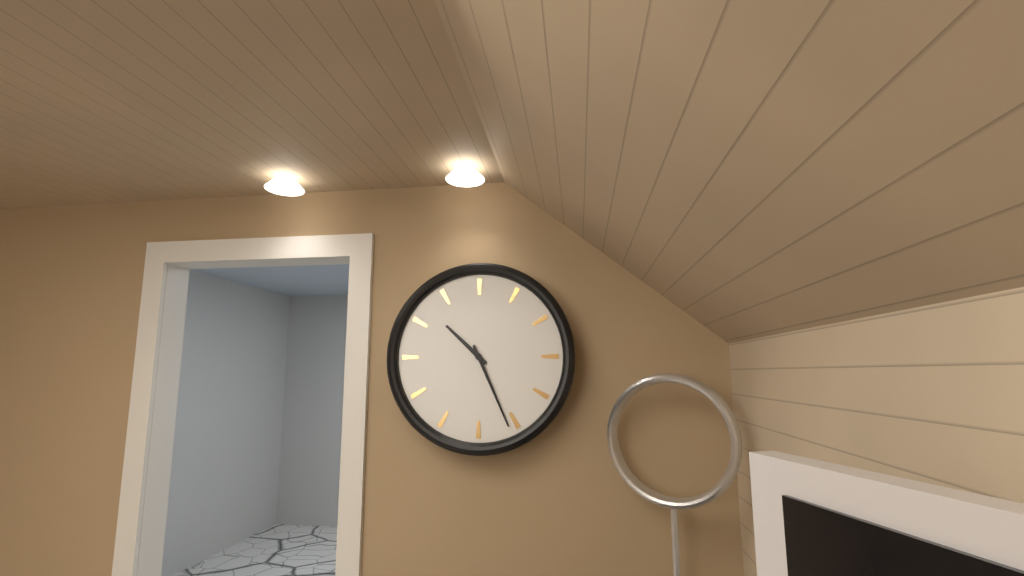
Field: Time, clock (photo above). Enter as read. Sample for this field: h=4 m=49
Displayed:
h=10 m=26
